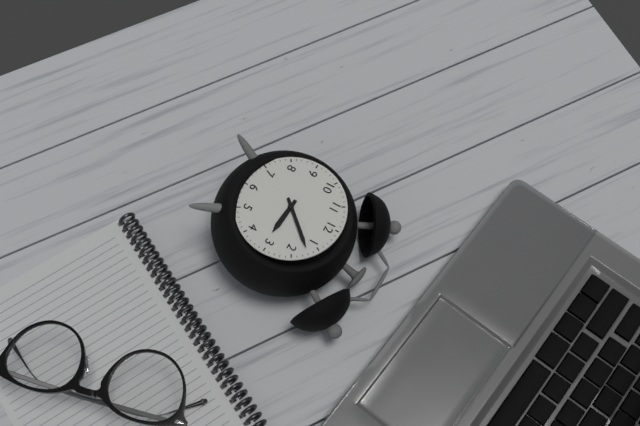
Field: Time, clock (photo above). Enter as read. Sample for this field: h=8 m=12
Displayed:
h=3 m=7
